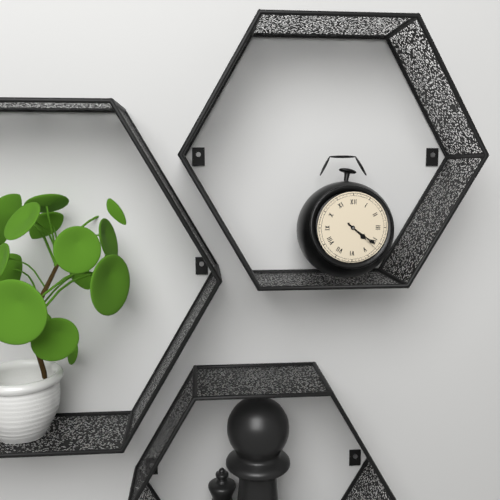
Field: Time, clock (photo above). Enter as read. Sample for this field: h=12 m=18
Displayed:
h=4 m=21
